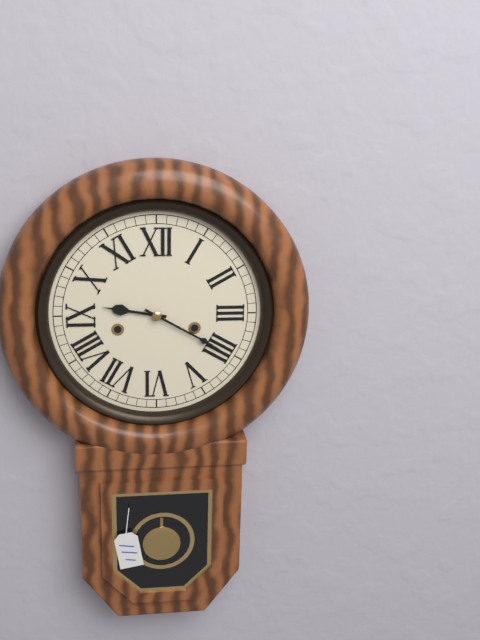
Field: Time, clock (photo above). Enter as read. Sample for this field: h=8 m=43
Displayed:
h=9 m=20
